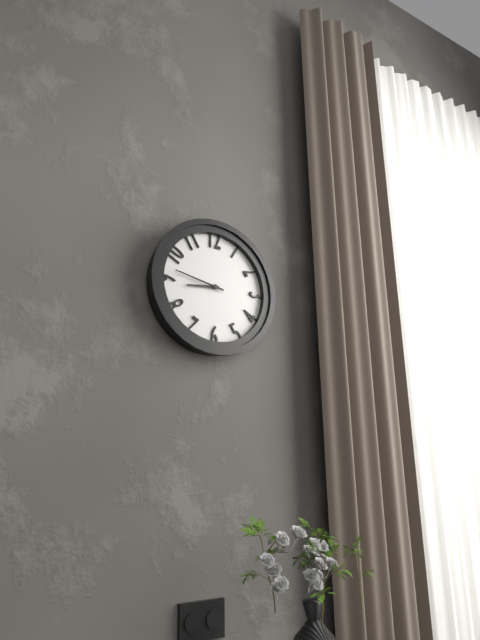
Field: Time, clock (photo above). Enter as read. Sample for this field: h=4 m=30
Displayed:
h=8 m=47
